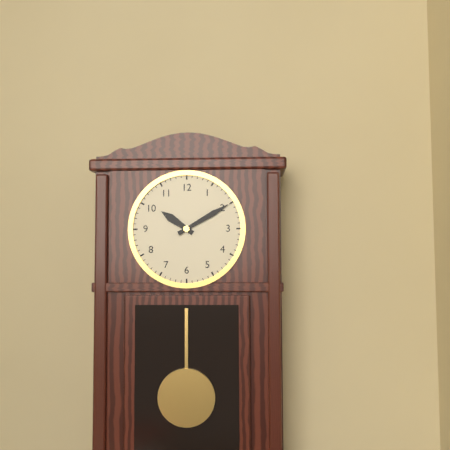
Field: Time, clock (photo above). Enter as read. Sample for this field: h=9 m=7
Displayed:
h=10 m=10
